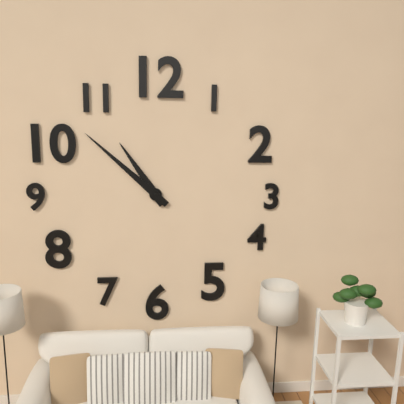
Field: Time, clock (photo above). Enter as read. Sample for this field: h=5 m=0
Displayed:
h=10 m=52
